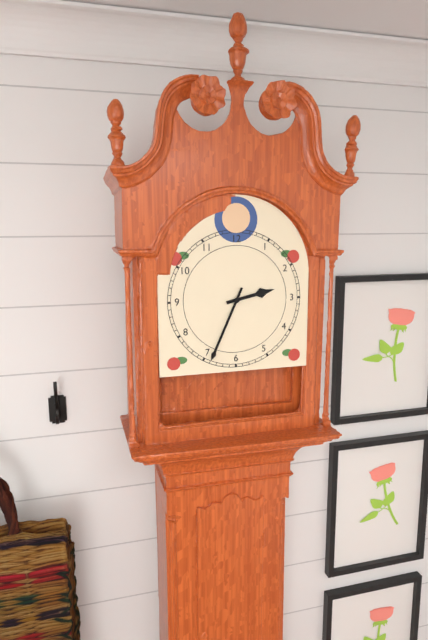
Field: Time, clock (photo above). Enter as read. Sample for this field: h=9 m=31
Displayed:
h=2 m=34
